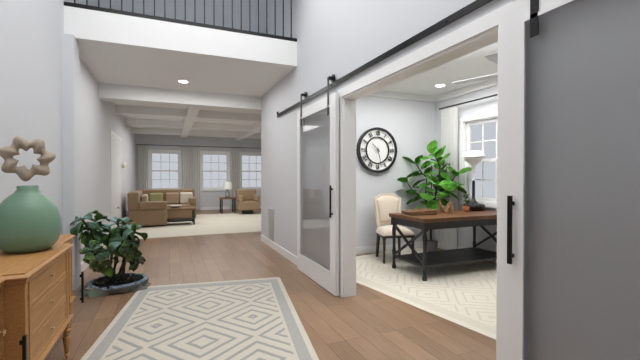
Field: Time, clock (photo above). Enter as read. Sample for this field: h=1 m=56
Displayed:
h=10 m=28
